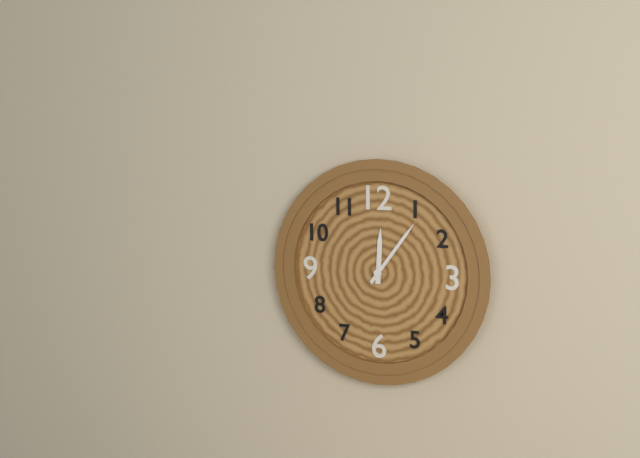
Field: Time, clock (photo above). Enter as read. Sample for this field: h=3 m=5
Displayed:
h=12 m=6
